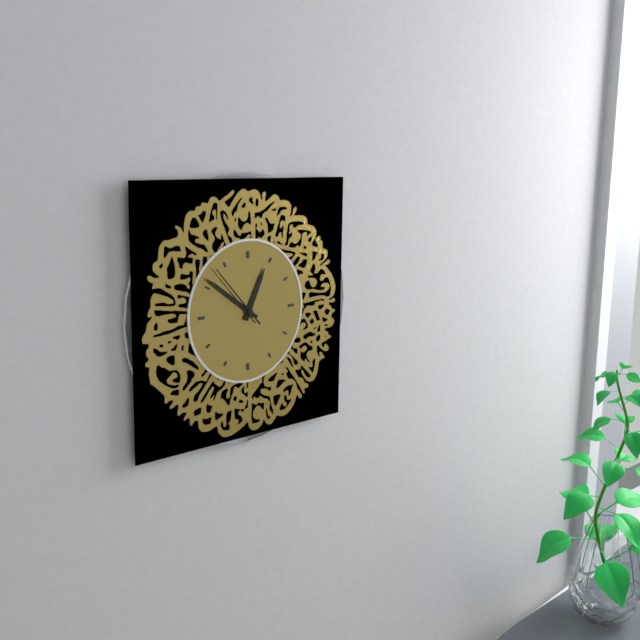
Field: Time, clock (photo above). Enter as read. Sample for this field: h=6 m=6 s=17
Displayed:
h=12 m=51 s=53
